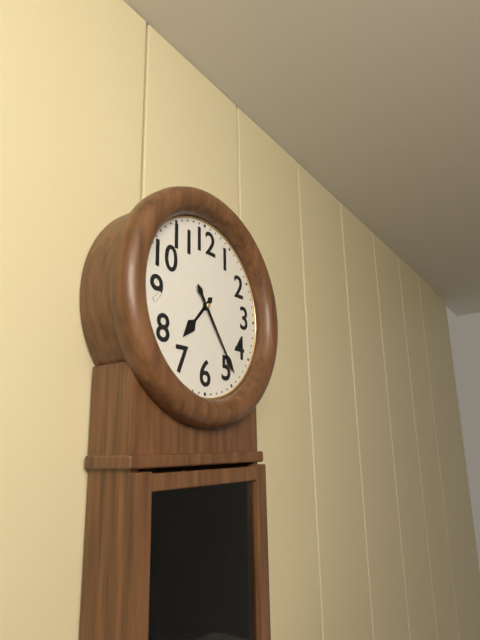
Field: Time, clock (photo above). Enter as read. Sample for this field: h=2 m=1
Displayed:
h=7 m=24
